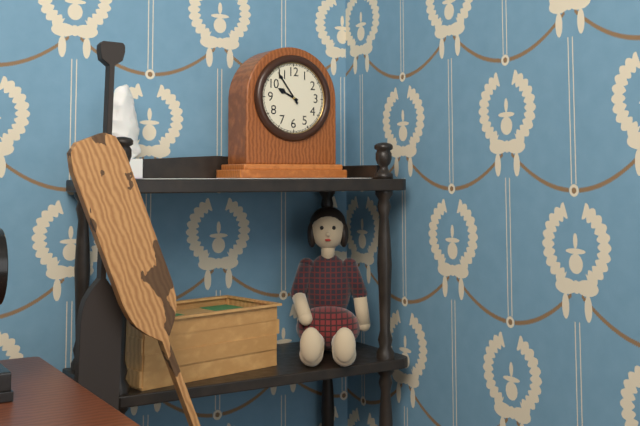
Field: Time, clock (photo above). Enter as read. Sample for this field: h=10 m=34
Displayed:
h=9 m=54
